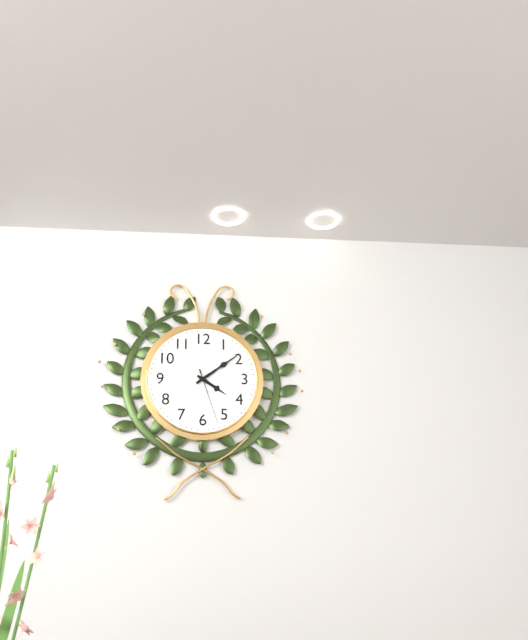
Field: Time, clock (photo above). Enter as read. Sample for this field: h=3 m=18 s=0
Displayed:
h=4 m=9 s=27
